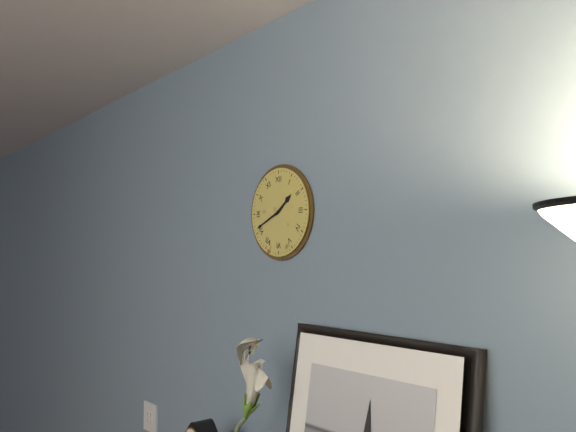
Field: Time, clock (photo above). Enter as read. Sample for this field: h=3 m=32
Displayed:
h=1 m=41
